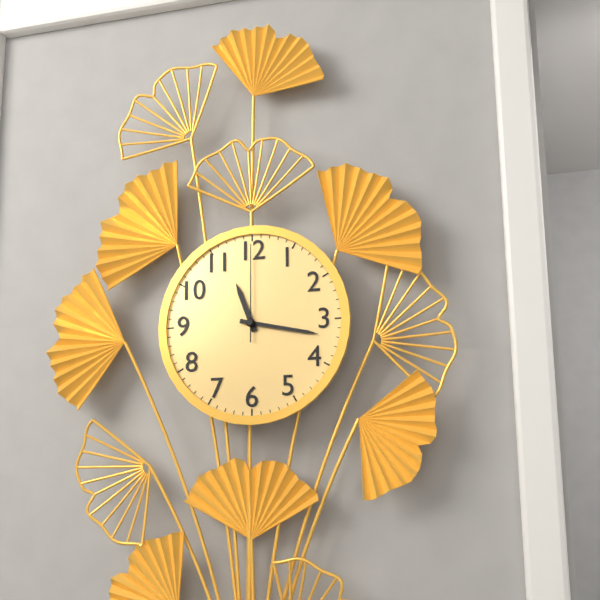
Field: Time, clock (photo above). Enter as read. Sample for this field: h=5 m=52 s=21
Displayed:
h=11 m=17 s=0
